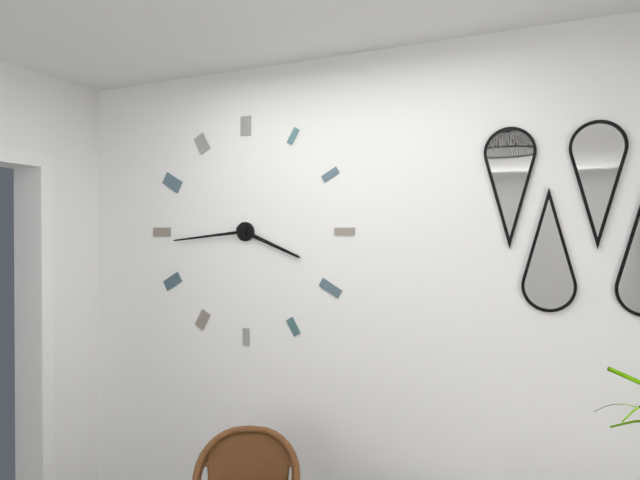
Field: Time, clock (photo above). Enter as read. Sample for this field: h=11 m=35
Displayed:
h=3 m=44
